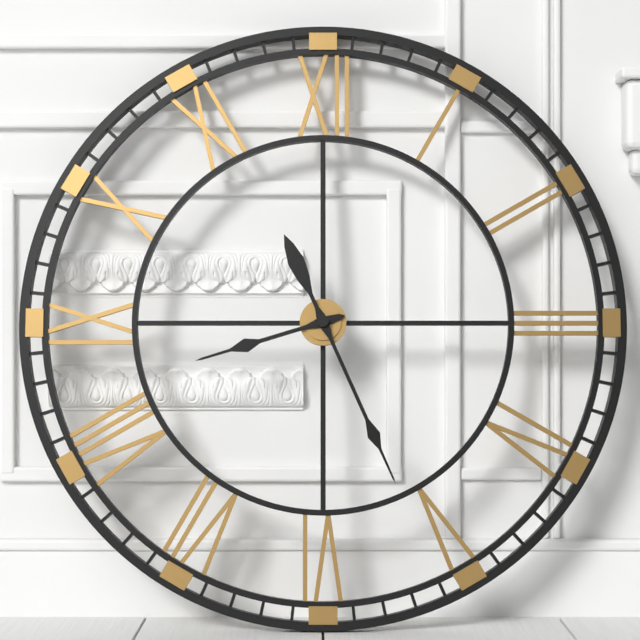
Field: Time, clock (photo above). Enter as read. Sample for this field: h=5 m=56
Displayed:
h=8 m=26
